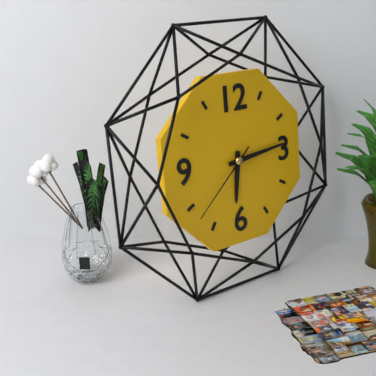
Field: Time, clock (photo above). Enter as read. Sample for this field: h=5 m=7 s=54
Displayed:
h=6 m=14 s=38
